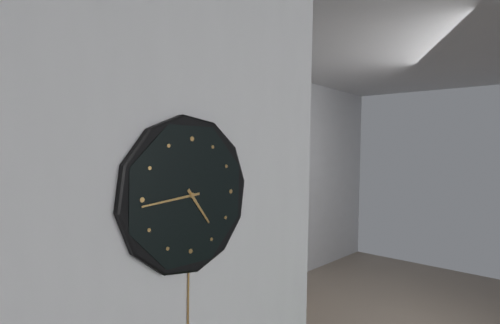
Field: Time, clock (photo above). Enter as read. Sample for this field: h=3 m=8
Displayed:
h=4 m=44
